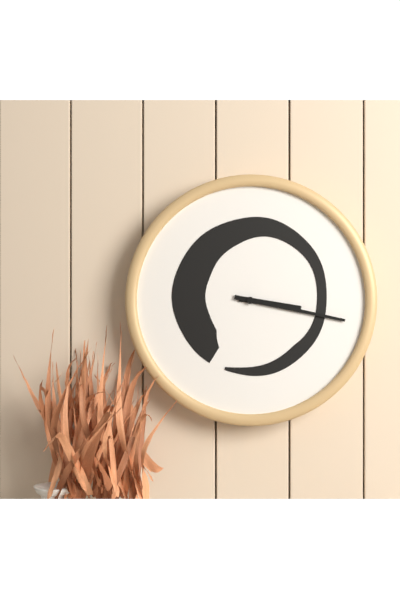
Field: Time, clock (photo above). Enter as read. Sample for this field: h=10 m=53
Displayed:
h=3 m=17
